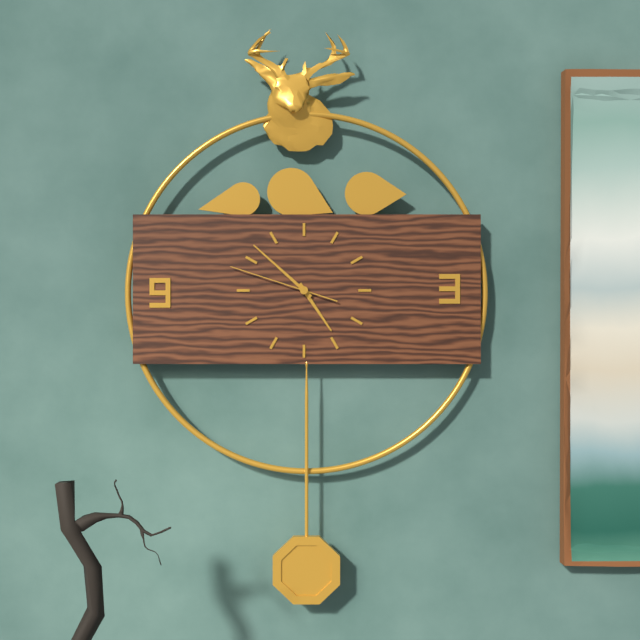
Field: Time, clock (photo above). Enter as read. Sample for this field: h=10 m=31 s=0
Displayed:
h=4 m=52 s=48
